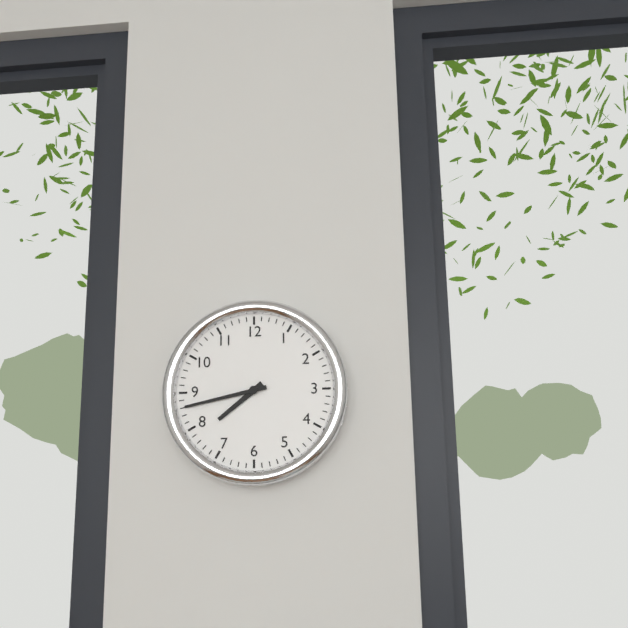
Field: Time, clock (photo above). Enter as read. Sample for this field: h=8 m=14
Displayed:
h=7 m=43
